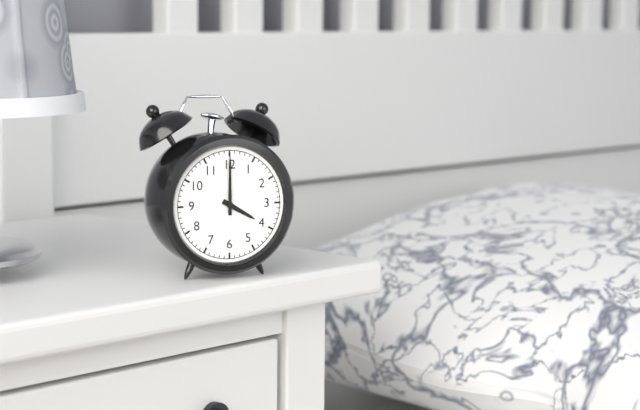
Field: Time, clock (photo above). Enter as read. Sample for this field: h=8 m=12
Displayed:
h=4 m=0
